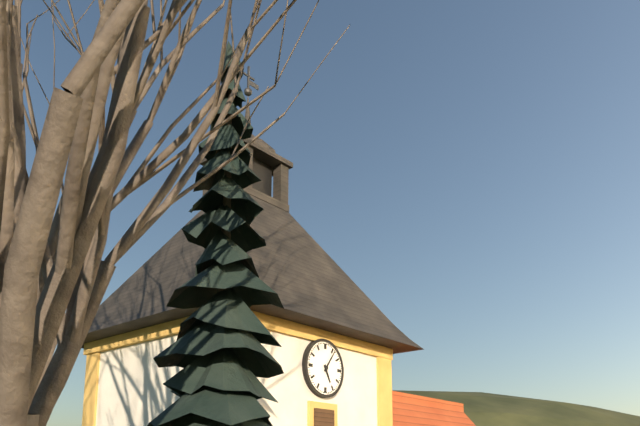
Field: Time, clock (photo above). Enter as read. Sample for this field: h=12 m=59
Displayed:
h=5 m=6
